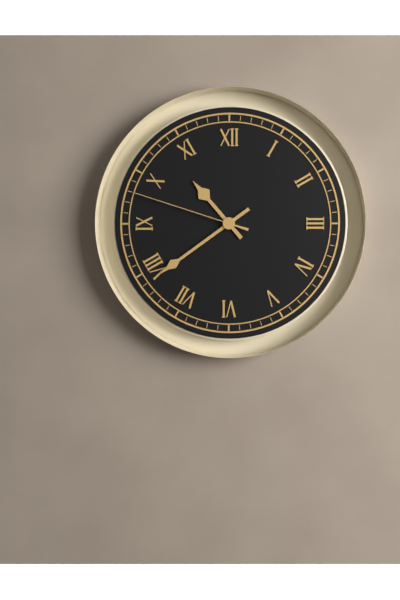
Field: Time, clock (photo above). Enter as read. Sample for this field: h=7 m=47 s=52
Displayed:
h=10 m=39 s=48
